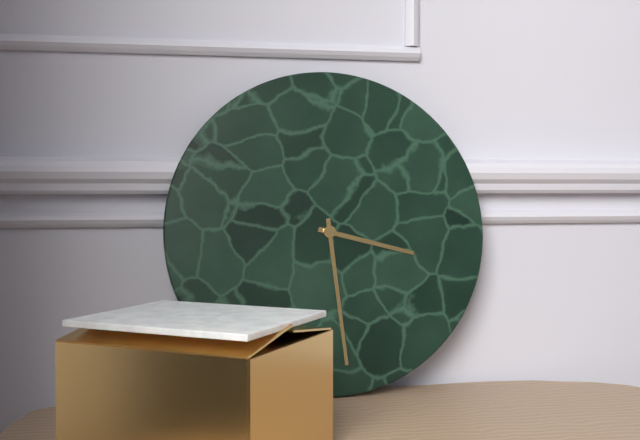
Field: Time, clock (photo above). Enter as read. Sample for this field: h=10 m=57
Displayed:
h=3 m=29
